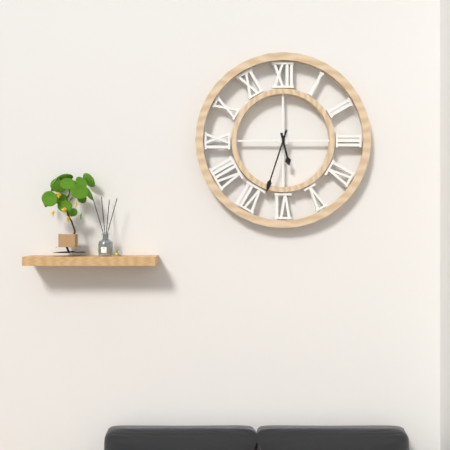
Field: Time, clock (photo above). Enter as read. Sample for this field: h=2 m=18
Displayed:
h=5 m=33
